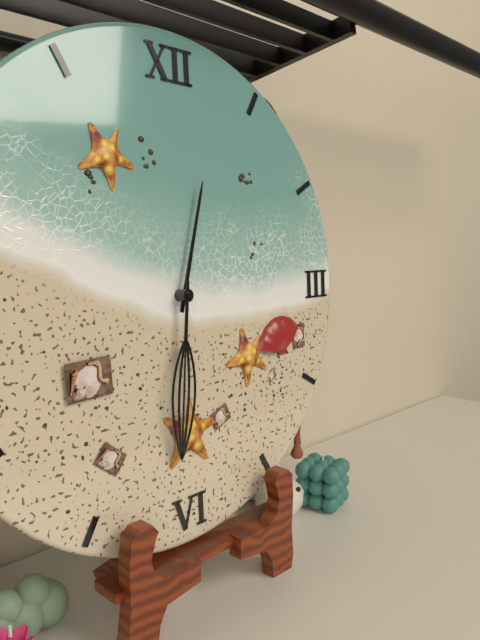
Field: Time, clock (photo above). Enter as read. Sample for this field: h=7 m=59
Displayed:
h=12 m=31
